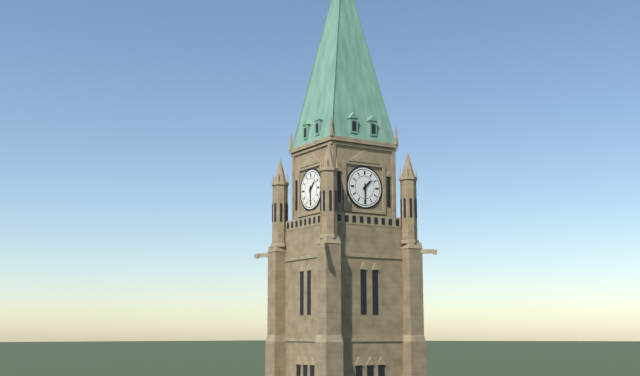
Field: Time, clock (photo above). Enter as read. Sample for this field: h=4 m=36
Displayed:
h=1 m=30
